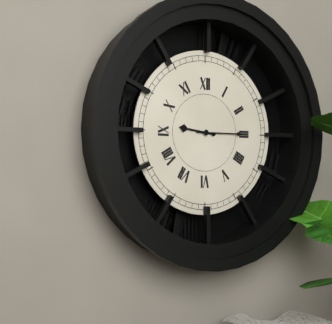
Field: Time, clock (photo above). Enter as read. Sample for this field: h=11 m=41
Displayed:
h=9 m=15
